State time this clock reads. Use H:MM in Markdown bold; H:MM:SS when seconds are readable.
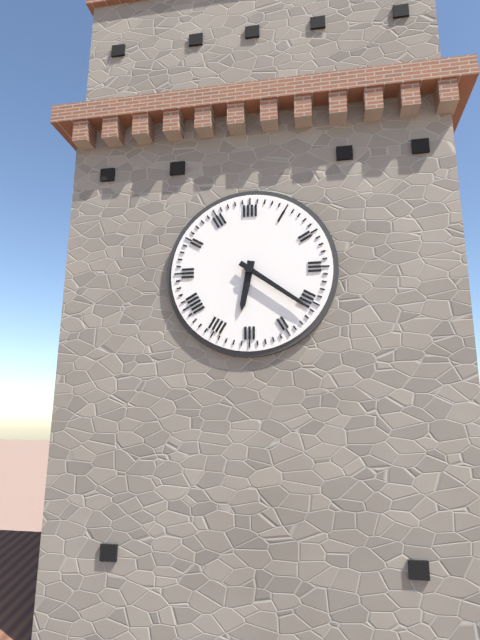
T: **6:21**
